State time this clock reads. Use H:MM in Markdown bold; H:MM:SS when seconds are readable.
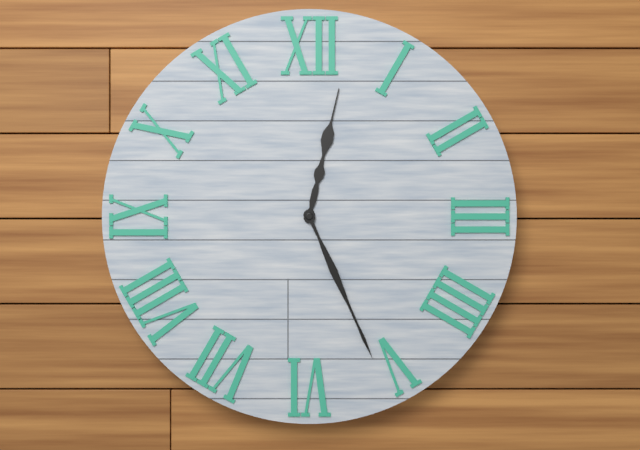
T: **12:26**
